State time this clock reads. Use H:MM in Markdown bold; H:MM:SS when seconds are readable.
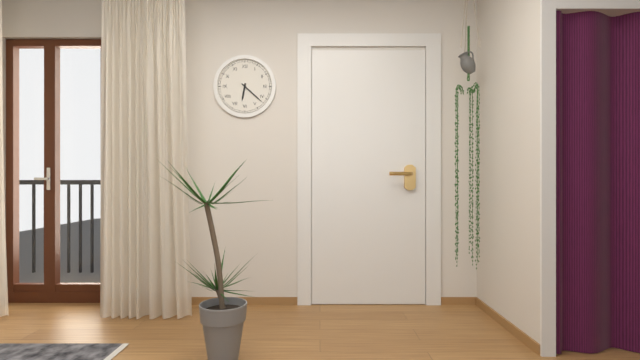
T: **6:22**
